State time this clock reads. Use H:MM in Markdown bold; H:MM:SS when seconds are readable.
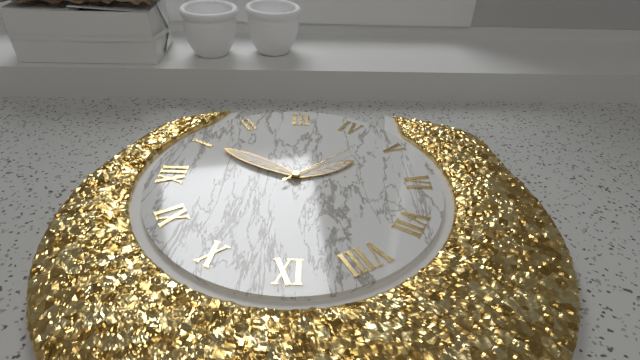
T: **5:05:23**
